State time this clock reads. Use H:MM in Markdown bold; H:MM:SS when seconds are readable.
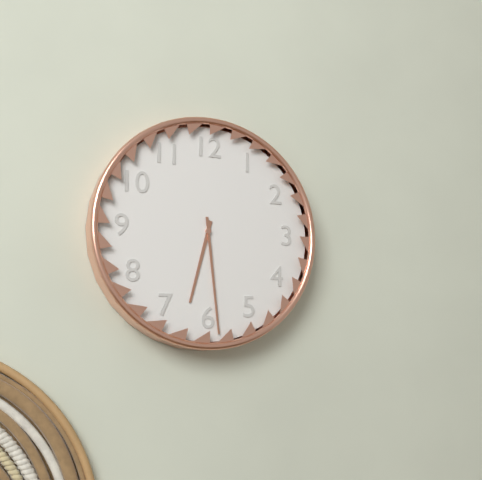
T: **6:29**
